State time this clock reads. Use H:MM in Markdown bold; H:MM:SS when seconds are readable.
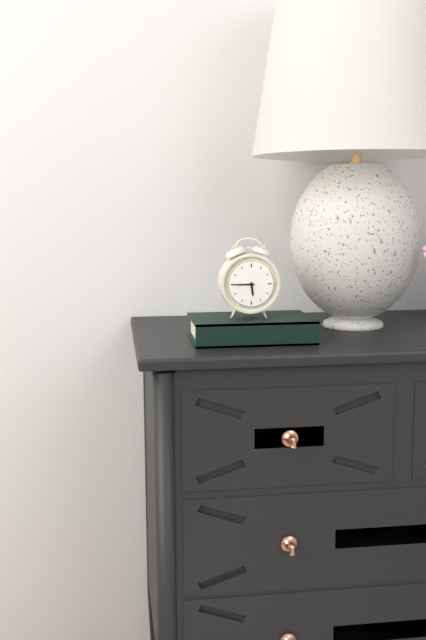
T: **5:45**
